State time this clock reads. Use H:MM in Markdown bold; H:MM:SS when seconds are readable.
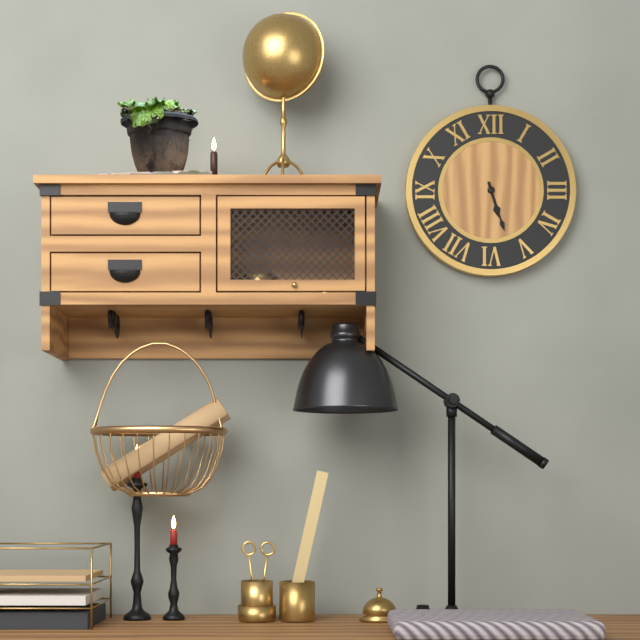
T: **5:27**
